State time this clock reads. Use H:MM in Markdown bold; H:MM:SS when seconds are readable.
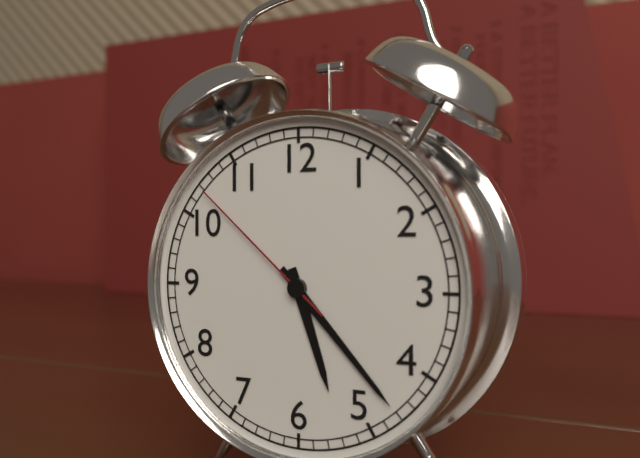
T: **5:23:52**
